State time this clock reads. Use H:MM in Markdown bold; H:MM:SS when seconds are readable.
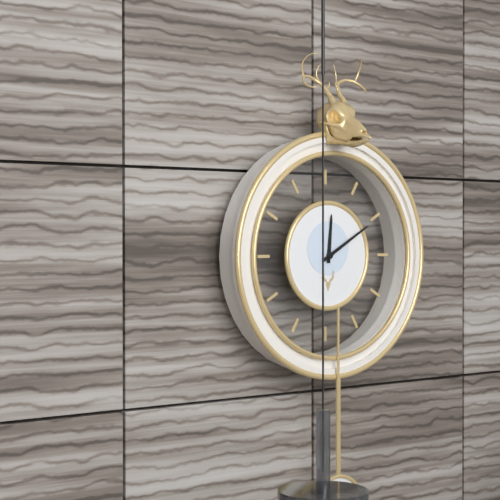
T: **12:10**
